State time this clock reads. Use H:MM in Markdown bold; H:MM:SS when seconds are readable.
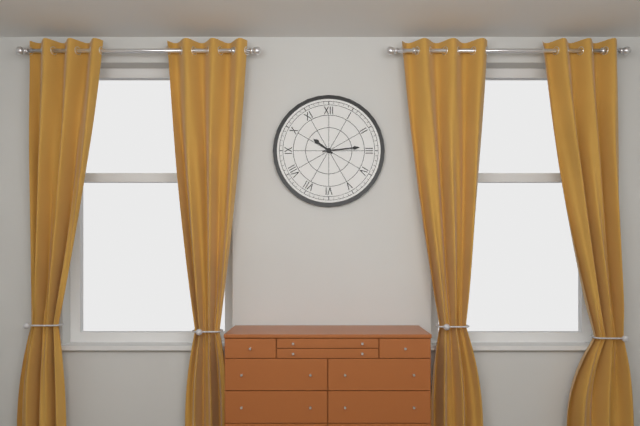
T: **10:14**
